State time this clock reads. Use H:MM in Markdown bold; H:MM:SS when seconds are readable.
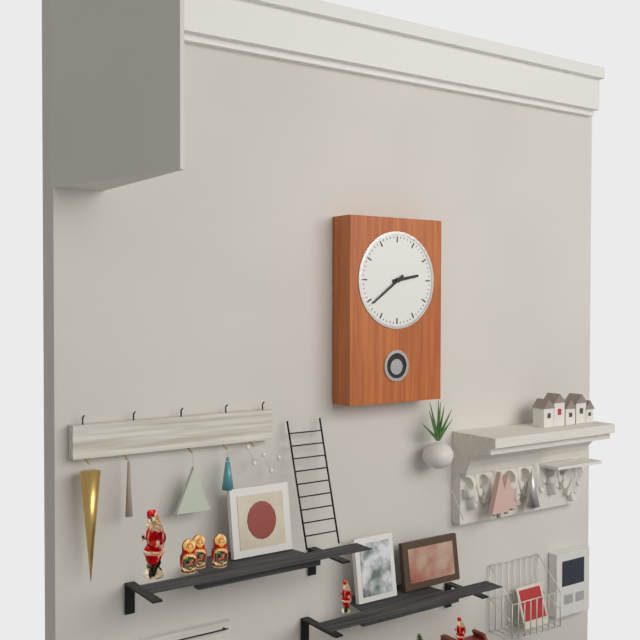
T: **2:39**
